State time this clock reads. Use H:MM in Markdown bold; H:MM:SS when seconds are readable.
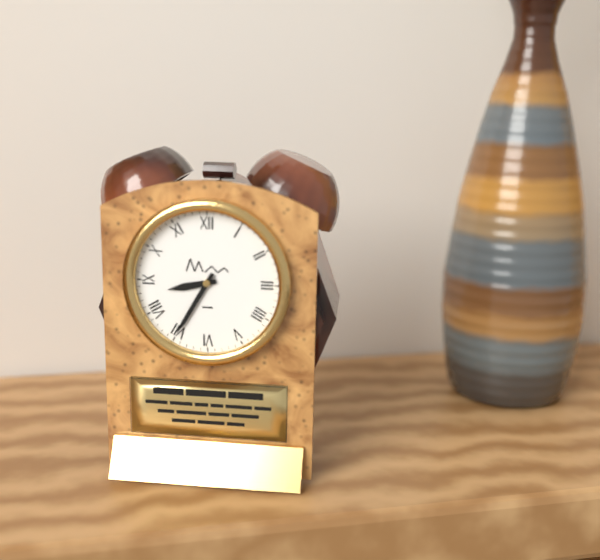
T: **8:35**
